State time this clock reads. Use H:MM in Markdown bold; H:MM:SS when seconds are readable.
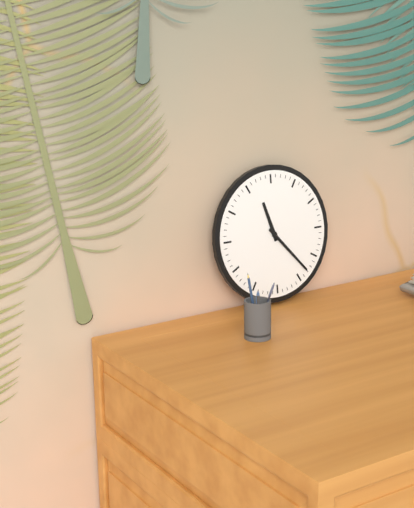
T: **11:23**
